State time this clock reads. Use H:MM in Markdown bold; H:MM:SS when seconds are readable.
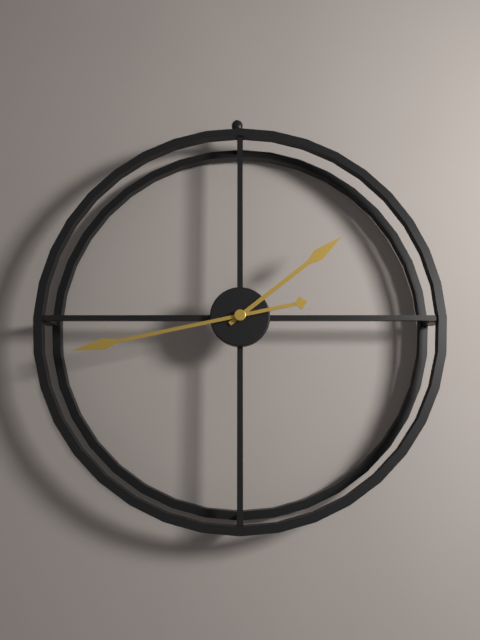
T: **1:43**
